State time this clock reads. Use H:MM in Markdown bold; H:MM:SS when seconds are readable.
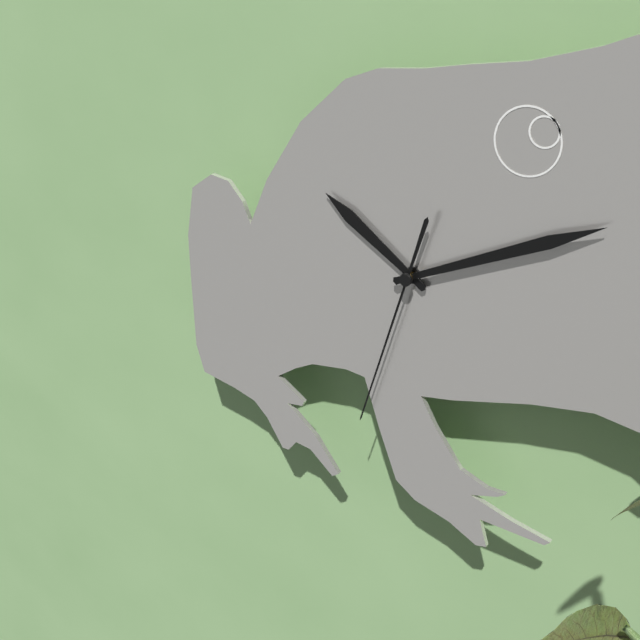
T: **10:11:33**
